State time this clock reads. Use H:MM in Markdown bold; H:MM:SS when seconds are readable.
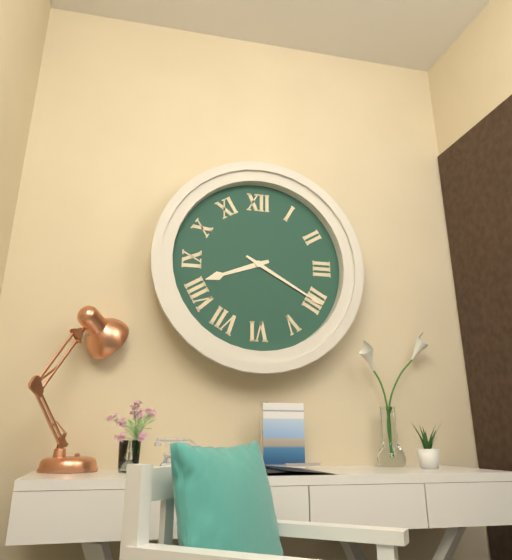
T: **8:20**
